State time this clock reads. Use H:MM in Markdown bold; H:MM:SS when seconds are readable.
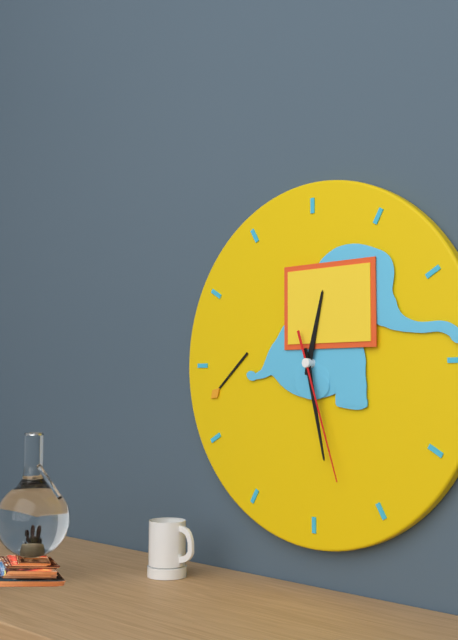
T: **12:28:27**
